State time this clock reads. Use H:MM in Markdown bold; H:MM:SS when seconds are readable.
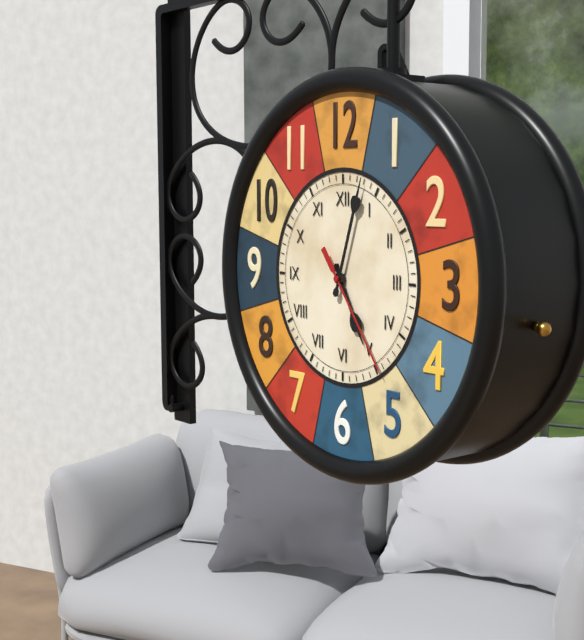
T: **5:03:24**
